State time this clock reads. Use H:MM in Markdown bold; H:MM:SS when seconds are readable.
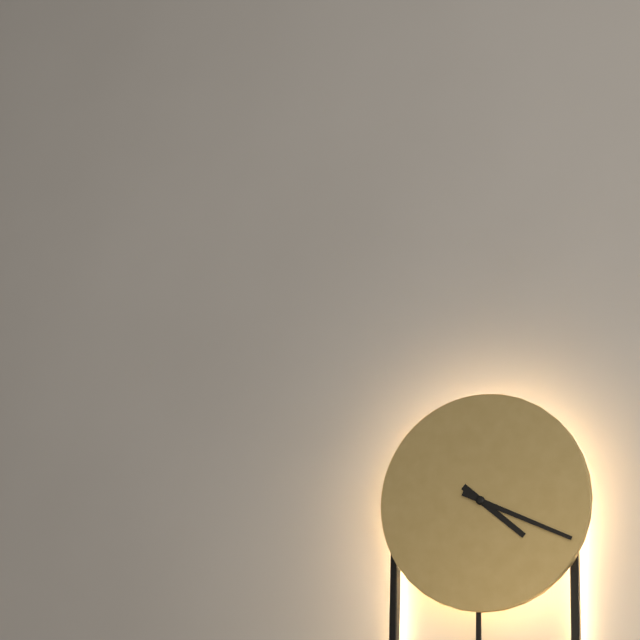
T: **4:19**
